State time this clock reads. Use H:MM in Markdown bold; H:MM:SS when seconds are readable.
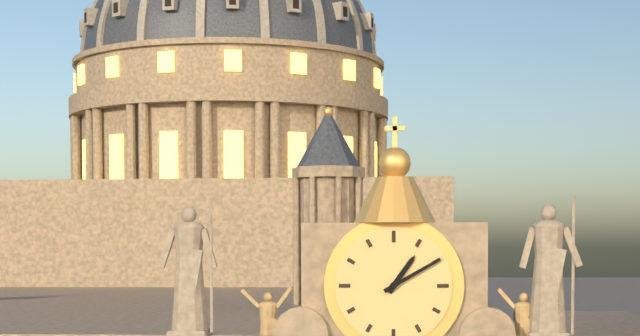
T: **1:10**
